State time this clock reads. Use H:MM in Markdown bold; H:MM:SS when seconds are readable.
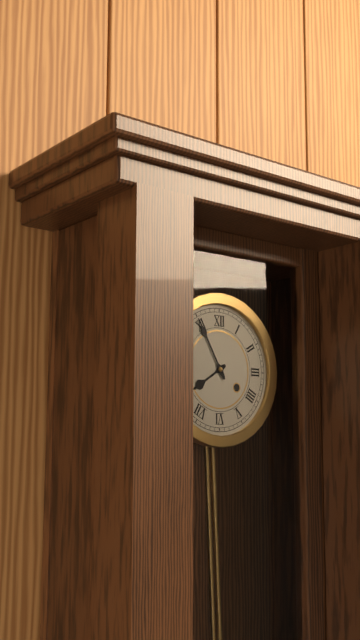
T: **7:55**
